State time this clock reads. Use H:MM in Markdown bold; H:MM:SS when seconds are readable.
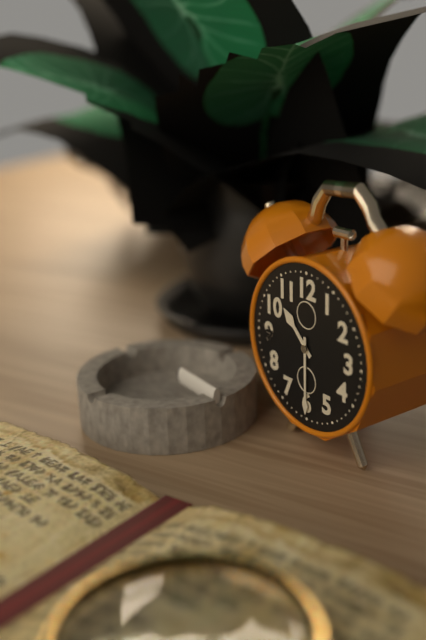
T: **10:30**
